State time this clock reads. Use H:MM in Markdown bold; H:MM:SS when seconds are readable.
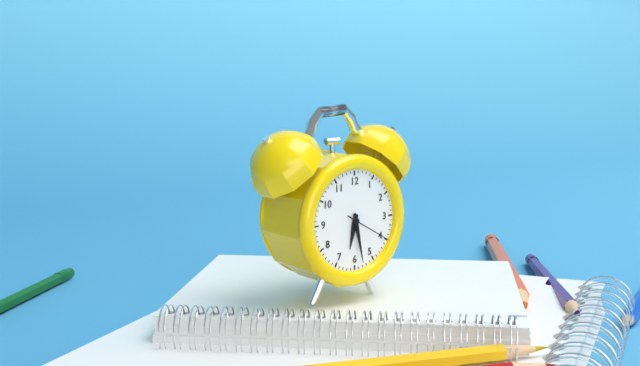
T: **6:28**
